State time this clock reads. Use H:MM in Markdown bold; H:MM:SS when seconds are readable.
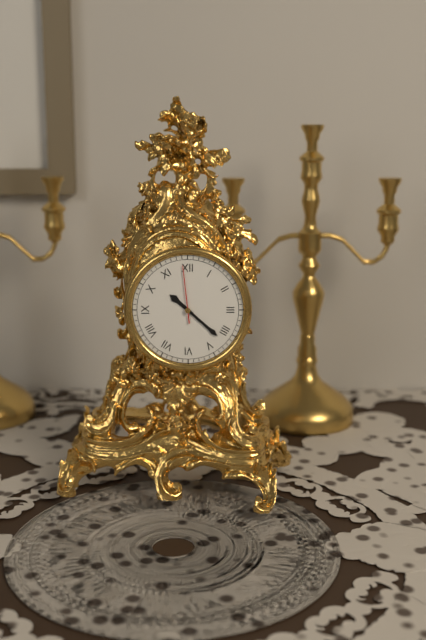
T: **10:22:59**
